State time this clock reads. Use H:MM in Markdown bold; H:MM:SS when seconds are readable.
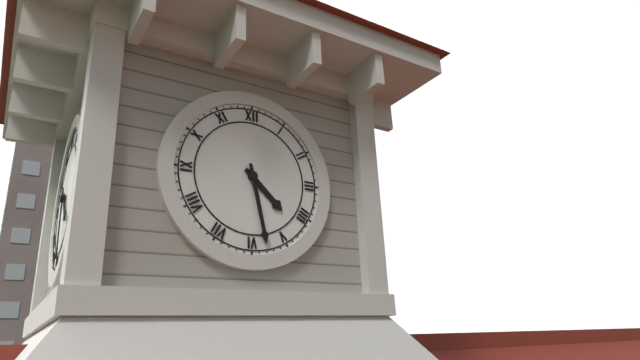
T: **4:28**
